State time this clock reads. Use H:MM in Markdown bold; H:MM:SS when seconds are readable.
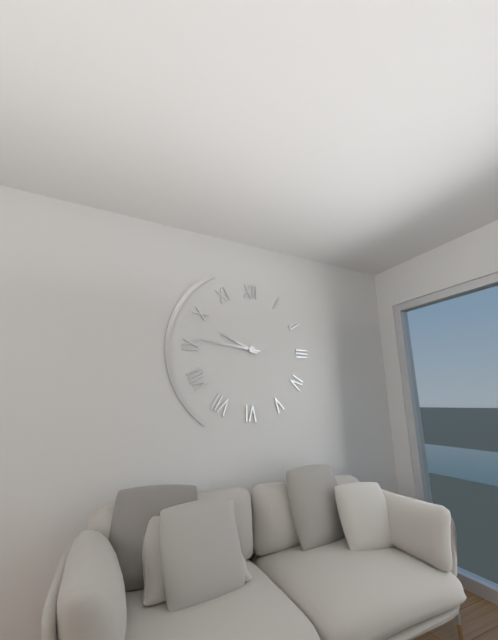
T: **9:46**
